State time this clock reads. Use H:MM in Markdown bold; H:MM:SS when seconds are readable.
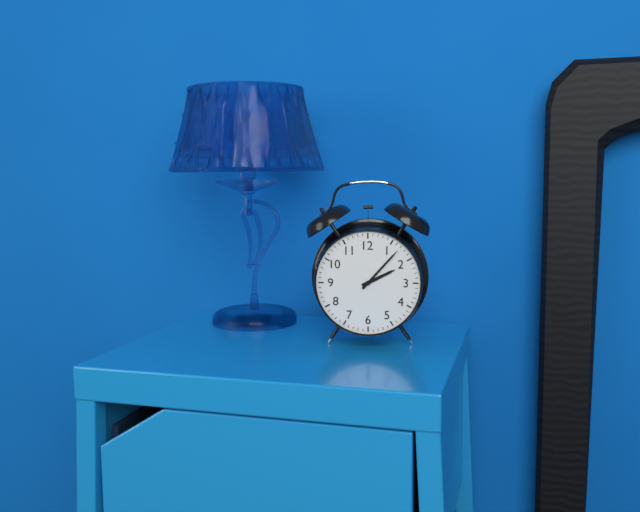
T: **2:07**
